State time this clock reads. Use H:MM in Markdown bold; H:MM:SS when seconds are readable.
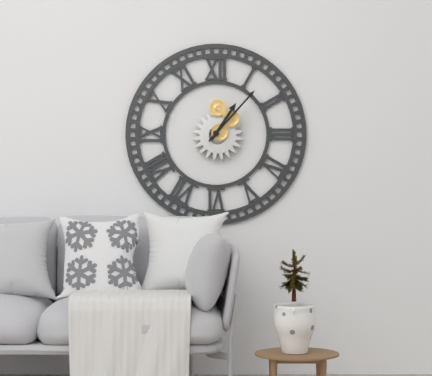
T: **1:07**
